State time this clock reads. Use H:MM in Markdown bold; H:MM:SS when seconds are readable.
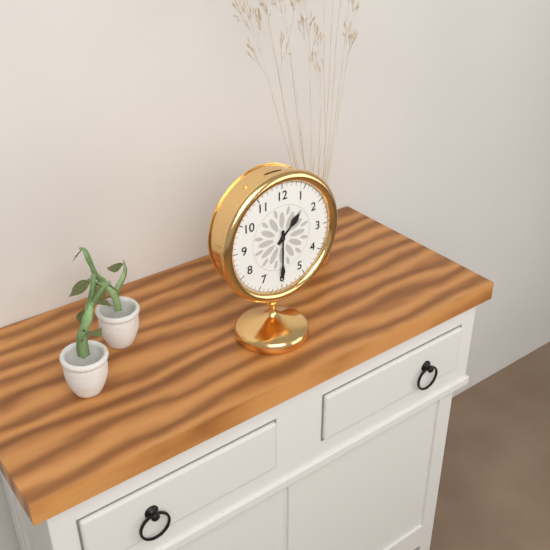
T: **1:30**
